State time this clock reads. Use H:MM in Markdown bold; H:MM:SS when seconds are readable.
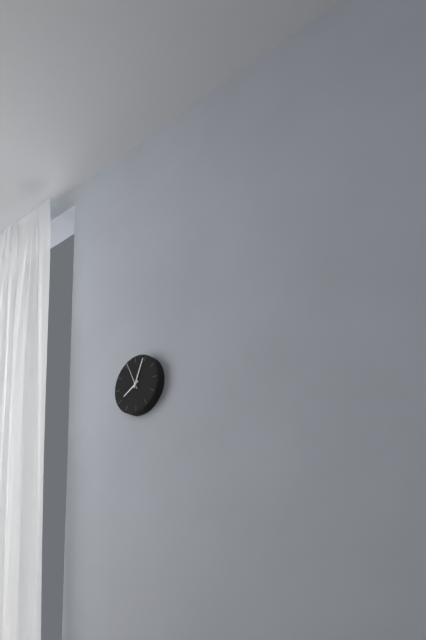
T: **8:04**
